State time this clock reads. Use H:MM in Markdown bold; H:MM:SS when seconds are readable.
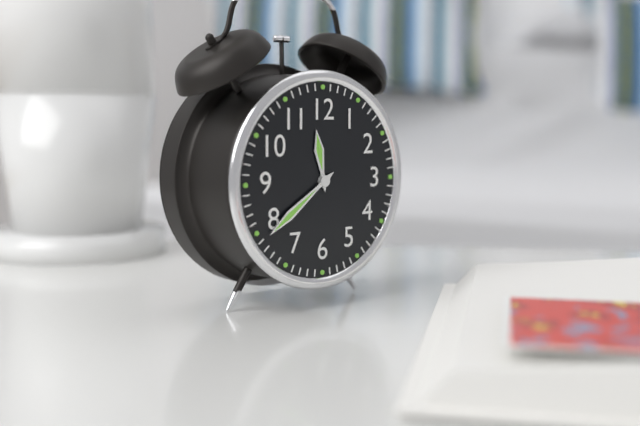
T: **11:39**
